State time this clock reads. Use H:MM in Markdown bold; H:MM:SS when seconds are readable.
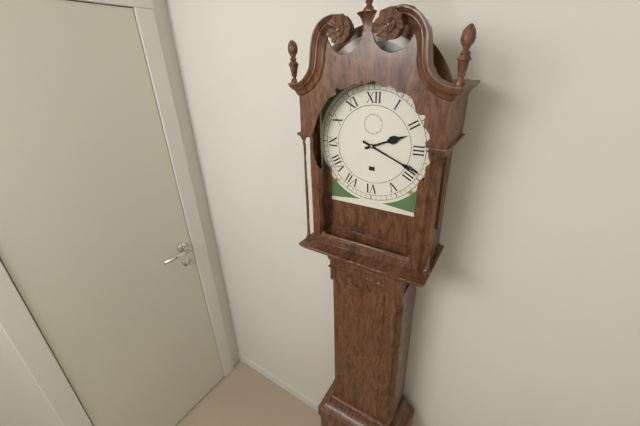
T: **2:19**
